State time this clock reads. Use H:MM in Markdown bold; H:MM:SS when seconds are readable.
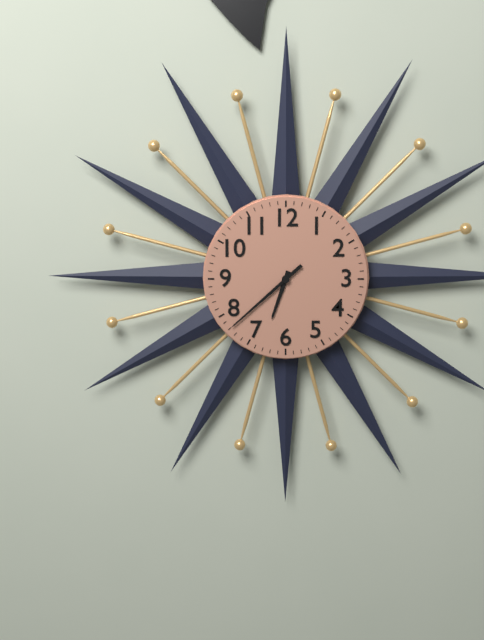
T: **6:38**
